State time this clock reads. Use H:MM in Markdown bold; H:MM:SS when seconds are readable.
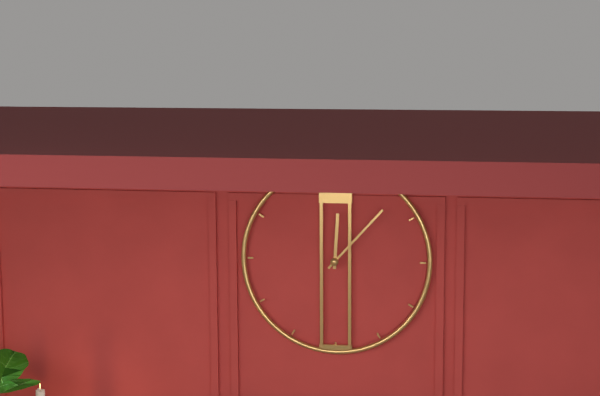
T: **12:07**
